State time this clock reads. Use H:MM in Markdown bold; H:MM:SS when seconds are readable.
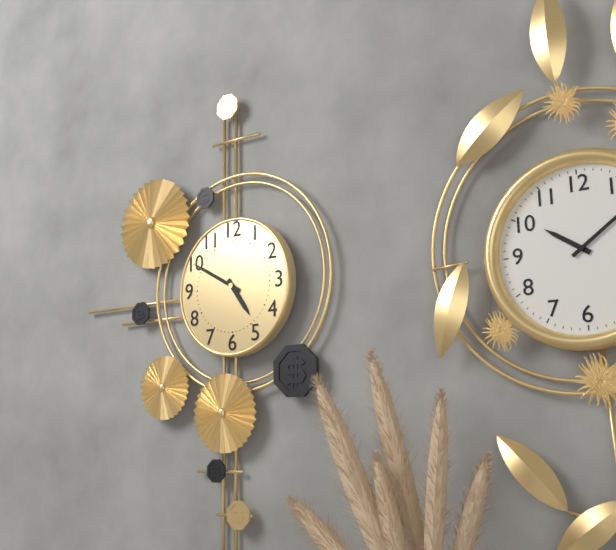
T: **4:50**
